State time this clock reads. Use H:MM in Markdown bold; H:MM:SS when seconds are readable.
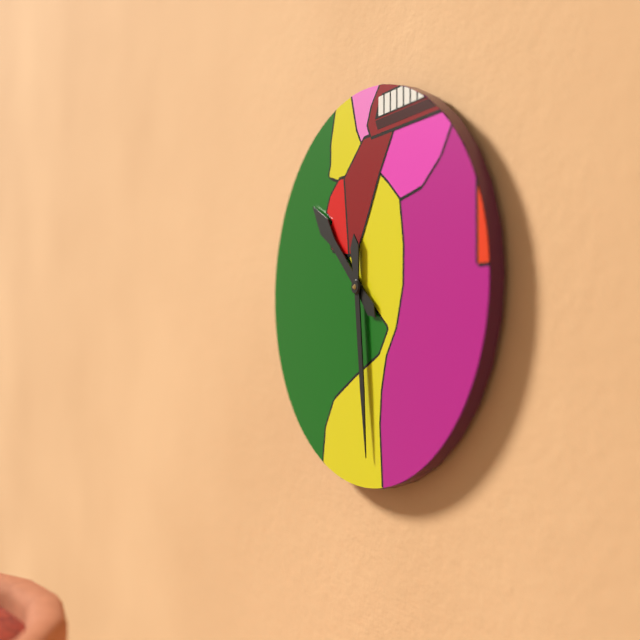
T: **10:29**
